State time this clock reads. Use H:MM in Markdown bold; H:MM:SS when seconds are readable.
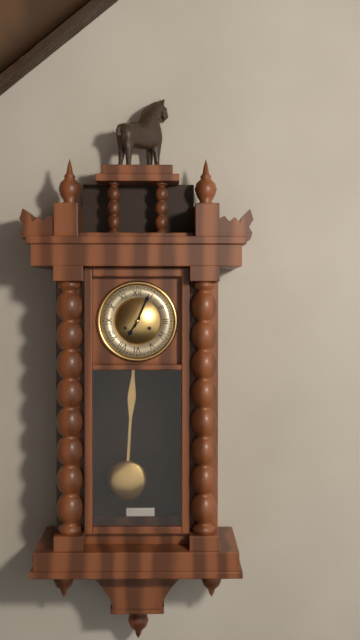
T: **7:04**
